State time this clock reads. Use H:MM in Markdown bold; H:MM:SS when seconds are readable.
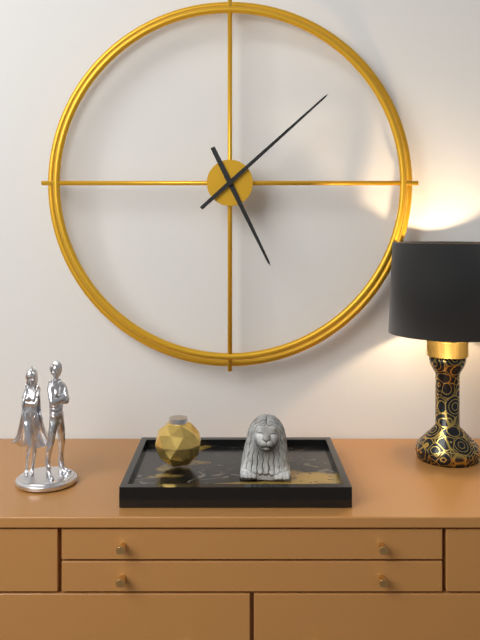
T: **5:08**
